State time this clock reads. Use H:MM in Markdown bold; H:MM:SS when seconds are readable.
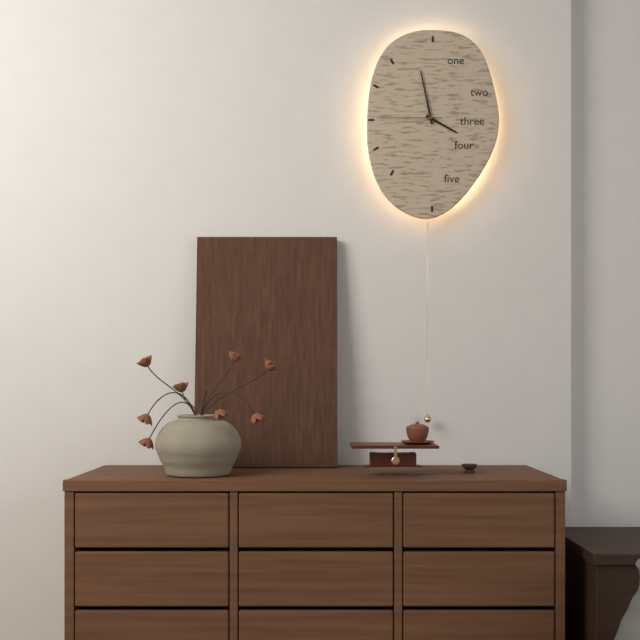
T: **3:58:45**
